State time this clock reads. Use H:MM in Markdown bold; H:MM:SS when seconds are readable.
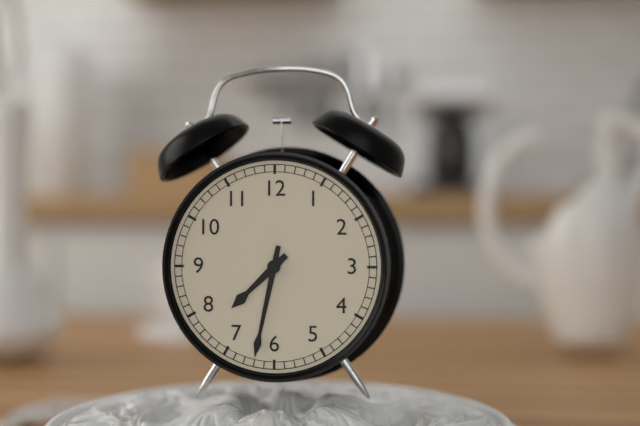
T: **7:32**
